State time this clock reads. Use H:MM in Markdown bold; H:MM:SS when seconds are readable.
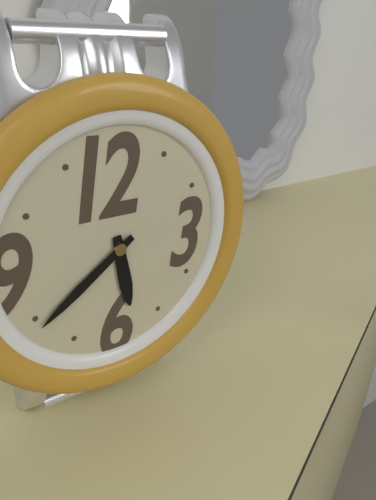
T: **5:39**
